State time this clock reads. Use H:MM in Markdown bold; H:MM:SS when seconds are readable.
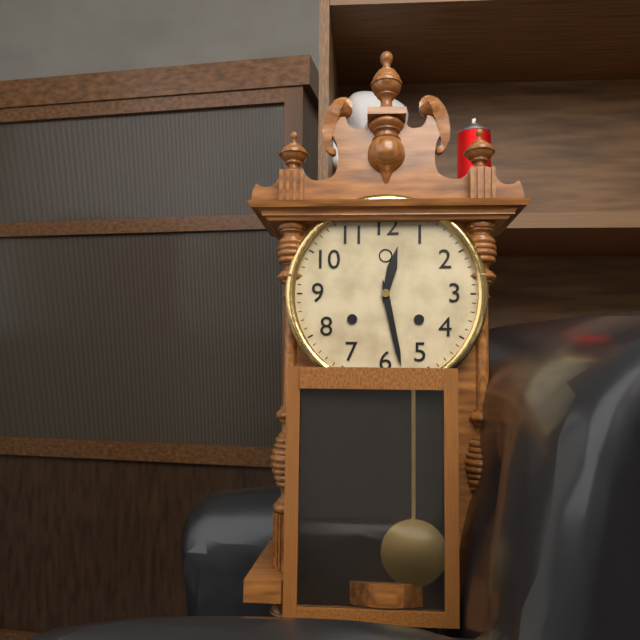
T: **12:28**
